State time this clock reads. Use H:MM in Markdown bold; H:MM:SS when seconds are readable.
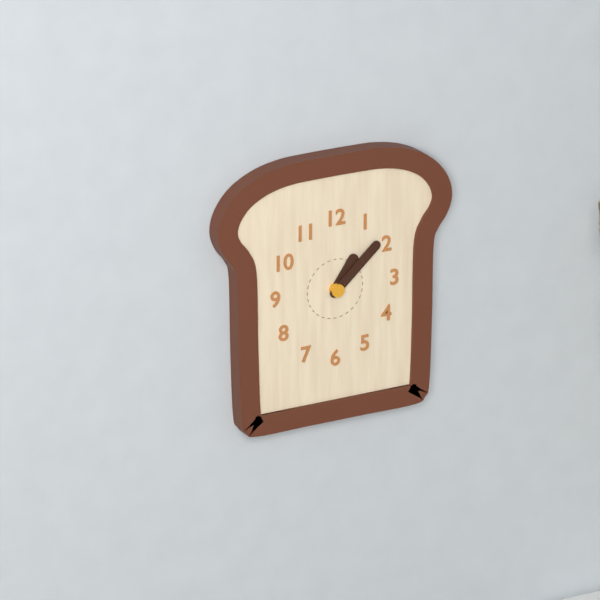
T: **1:08**
